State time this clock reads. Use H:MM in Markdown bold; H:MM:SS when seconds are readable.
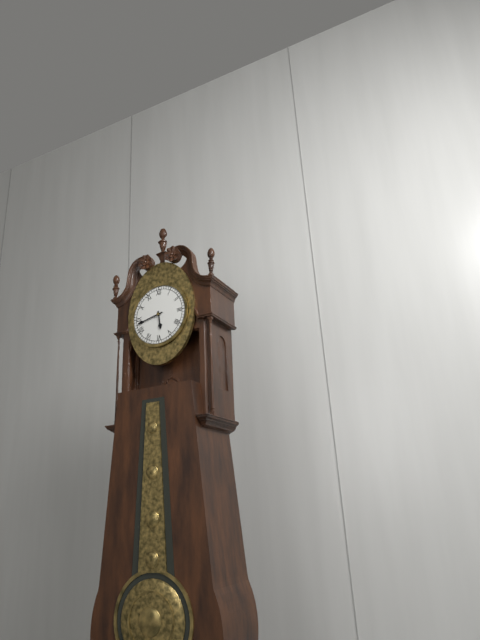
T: **5:43**
